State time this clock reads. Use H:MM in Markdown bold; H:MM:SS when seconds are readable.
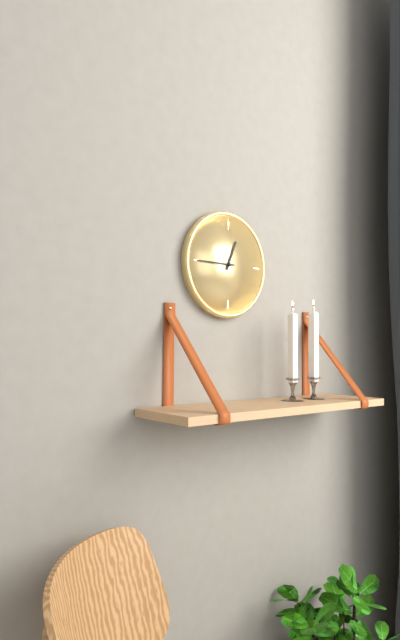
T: **12:45**
